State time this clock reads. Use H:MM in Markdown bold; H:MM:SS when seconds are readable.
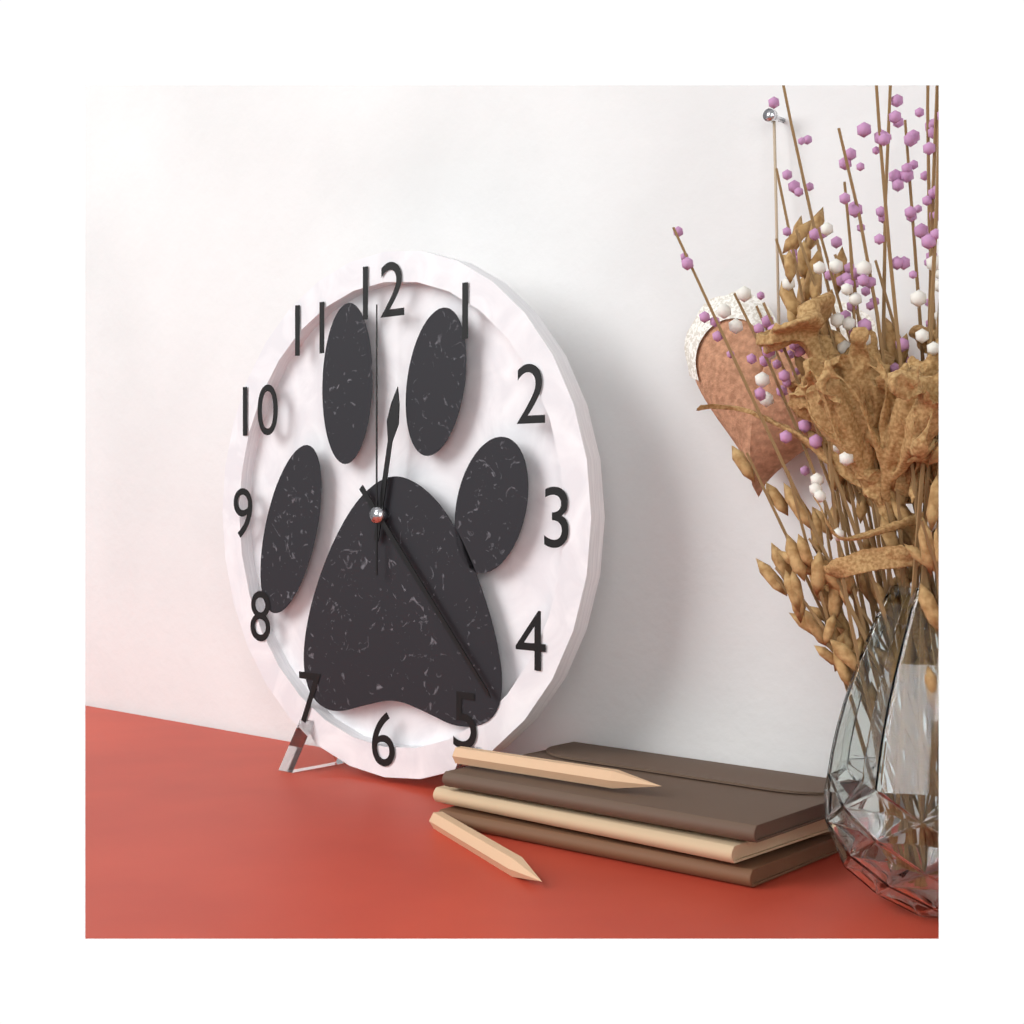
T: **12:23:00**
